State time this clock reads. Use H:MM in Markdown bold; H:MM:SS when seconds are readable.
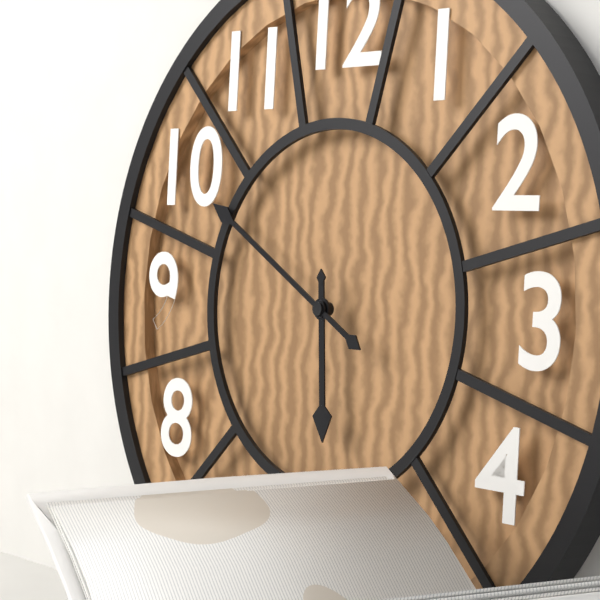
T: **5:50**
